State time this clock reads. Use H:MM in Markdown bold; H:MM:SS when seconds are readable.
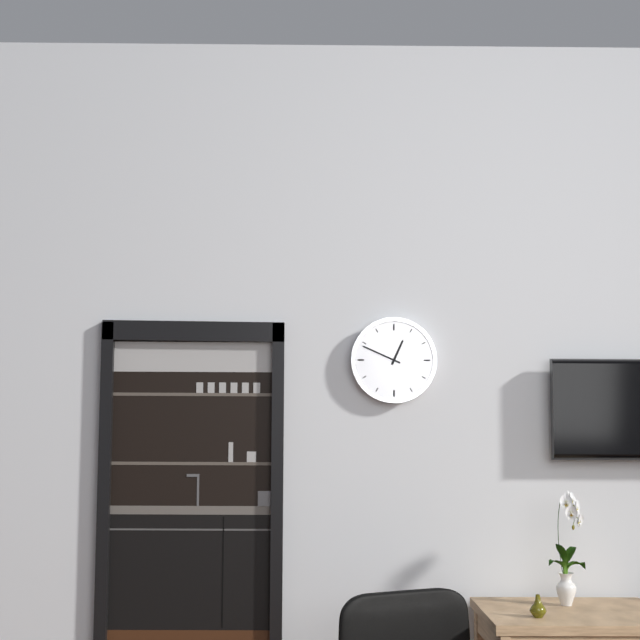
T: **12:49**
